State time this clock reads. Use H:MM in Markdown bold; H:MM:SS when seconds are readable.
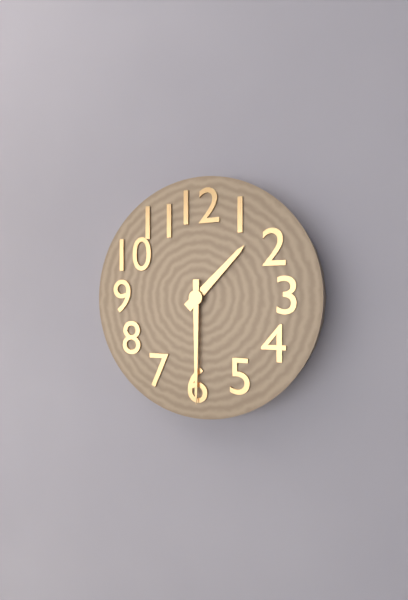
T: **1:30**
